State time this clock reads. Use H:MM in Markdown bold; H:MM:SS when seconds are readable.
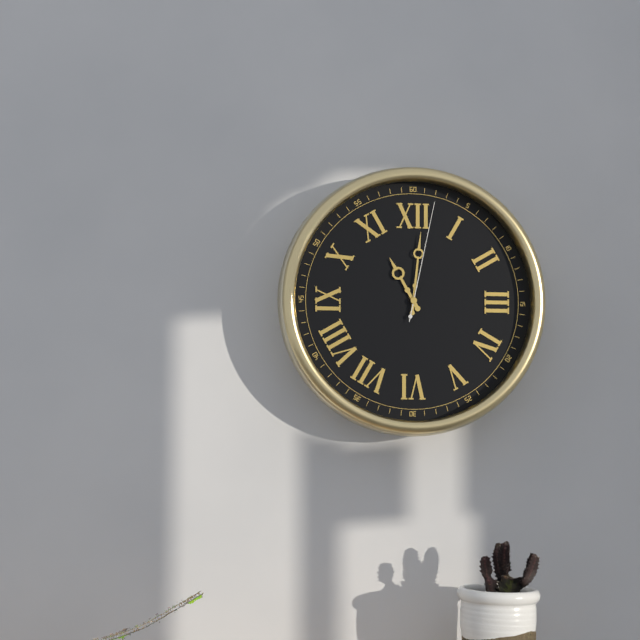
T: **11:01:02**
